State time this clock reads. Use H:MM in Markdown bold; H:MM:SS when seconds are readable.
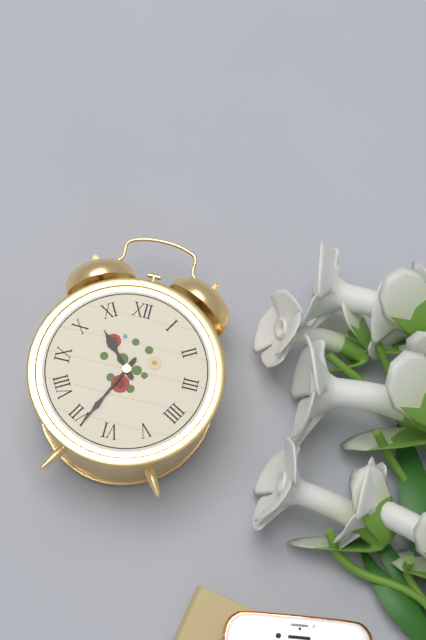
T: **10:34**
